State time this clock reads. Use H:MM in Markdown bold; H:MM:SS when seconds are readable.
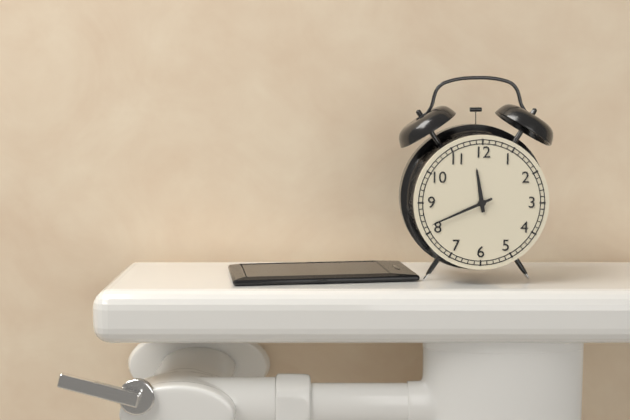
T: **11:41**
